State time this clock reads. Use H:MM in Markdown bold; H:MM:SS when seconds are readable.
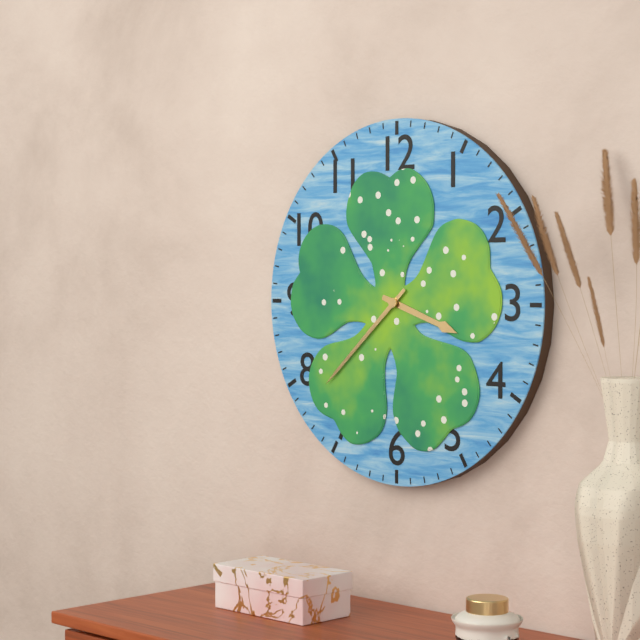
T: **3:38**
